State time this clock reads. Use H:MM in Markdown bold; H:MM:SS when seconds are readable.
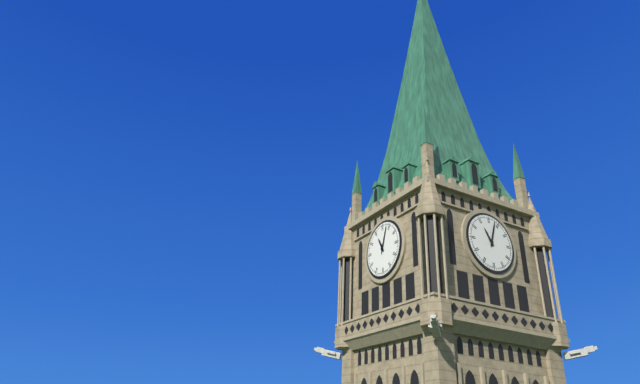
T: **11:03**
